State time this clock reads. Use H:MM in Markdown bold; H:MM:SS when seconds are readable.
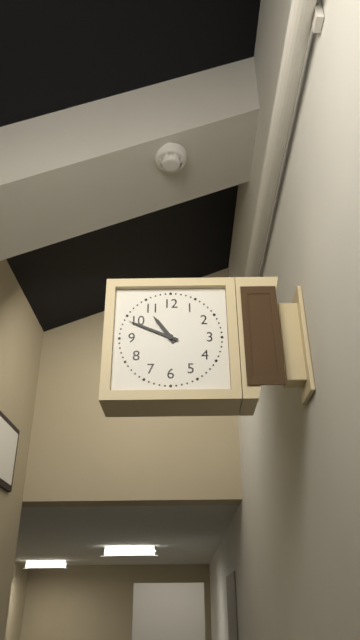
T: **10:49**
